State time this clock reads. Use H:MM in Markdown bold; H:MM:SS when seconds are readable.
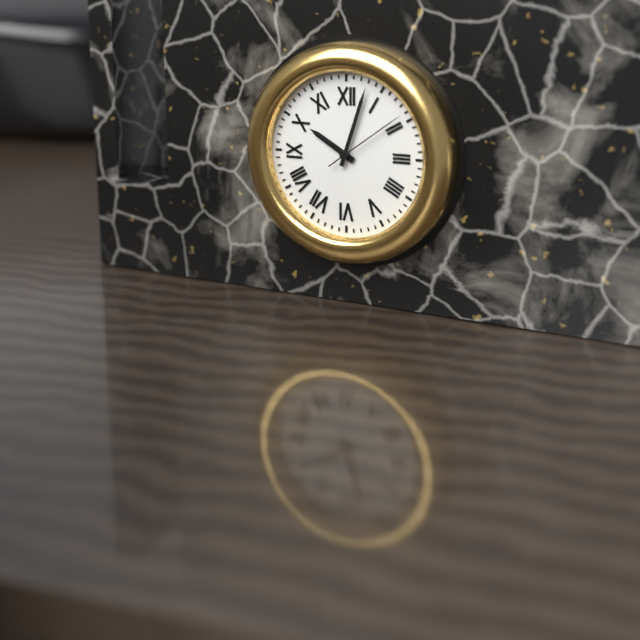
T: **10:03:09**
